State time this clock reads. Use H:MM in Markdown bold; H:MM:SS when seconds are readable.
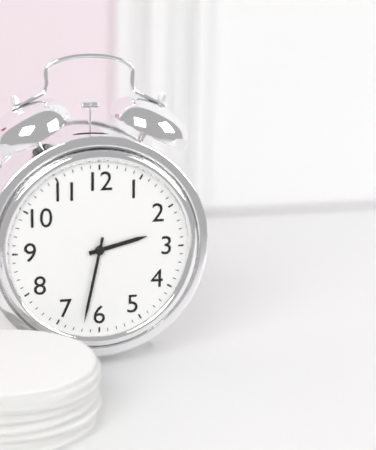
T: **2:32**
